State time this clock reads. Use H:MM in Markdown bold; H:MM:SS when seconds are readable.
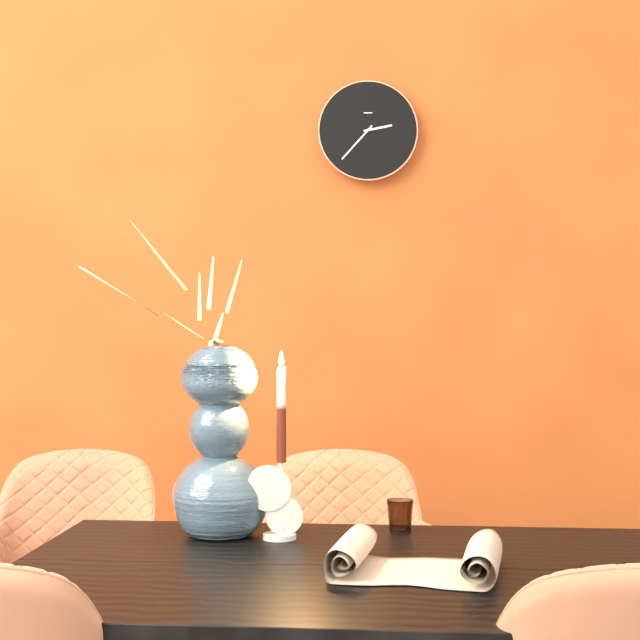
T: **2:37**
